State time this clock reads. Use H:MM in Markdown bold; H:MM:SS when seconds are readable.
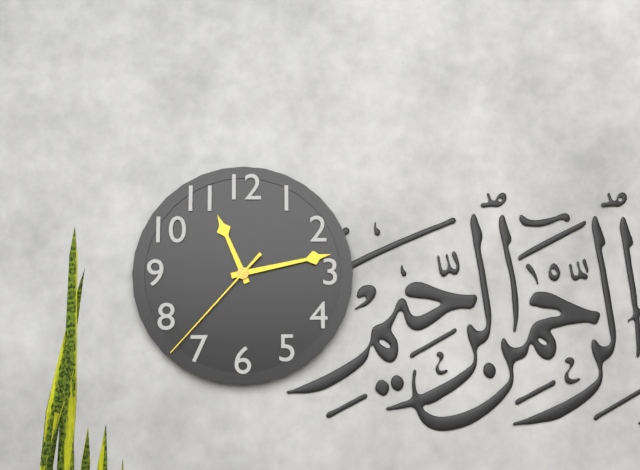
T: **11:13:37**
